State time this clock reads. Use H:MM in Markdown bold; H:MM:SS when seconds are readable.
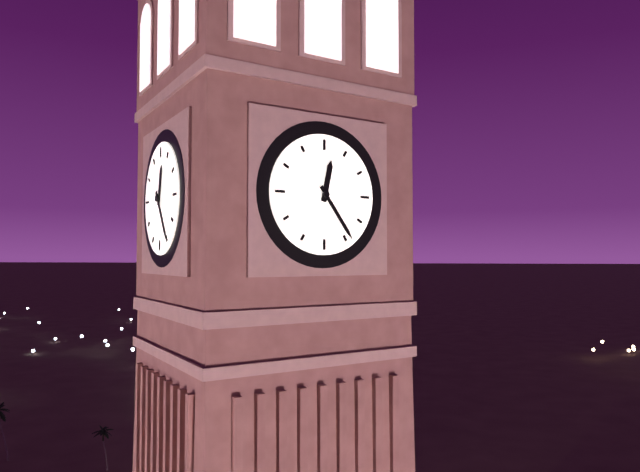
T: **12:24**
